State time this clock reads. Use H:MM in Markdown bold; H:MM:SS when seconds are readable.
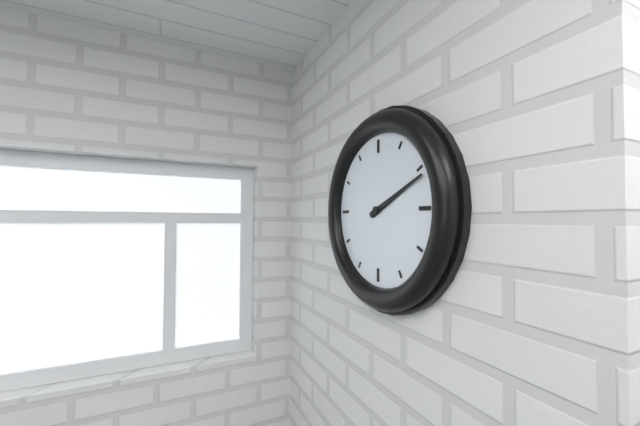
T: **2:11**
